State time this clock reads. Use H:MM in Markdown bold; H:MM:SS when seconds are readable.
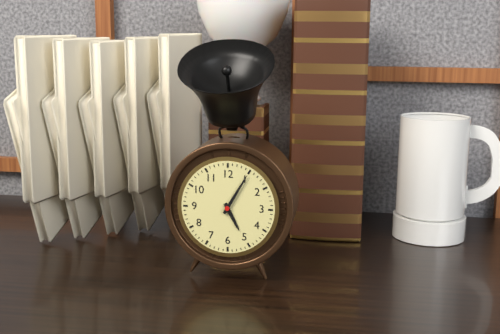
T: **5:05**
